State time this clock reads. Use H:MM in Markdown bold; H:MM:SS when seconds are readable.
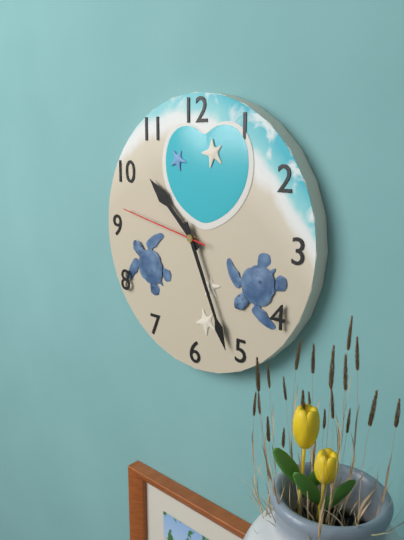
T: **10:26:47**
